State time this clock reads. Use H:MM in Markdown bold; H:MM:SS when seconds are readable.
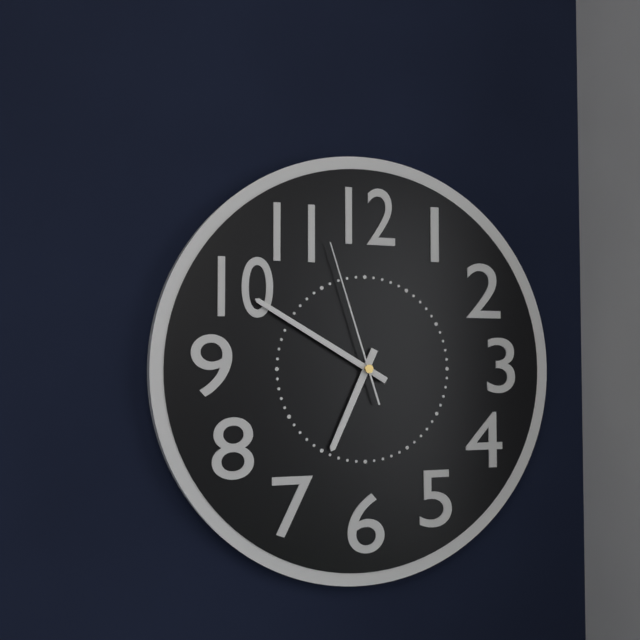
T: **6:50:57**
